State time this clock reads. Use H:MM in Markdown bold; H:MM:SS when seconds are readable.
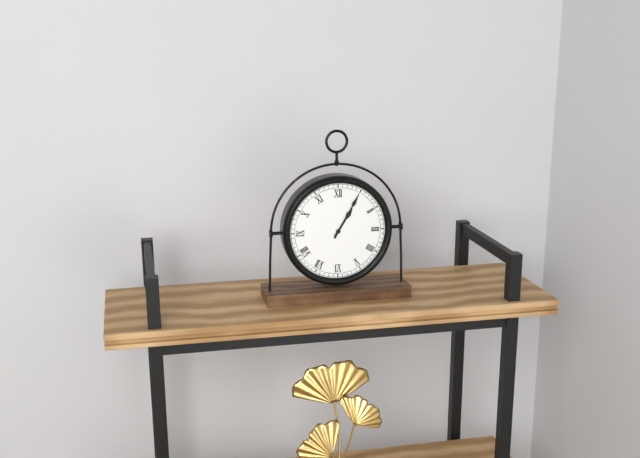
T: **1:05**
